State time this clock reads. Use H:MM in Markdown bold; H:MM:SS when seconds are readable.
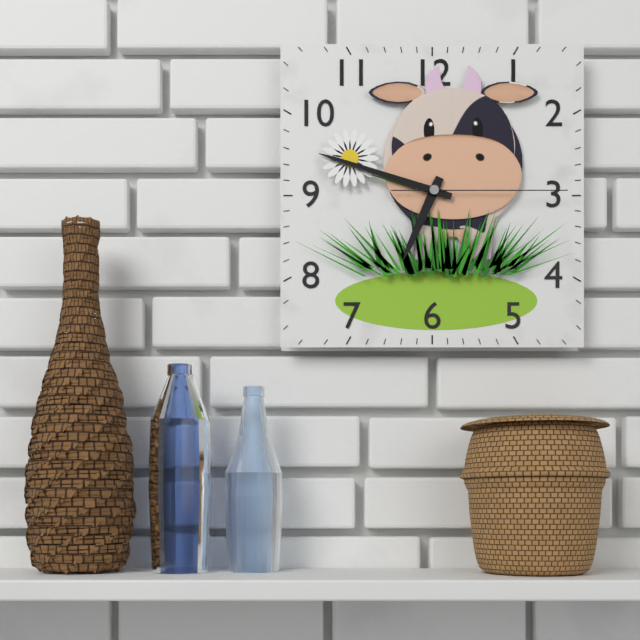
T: **6:48:15**
